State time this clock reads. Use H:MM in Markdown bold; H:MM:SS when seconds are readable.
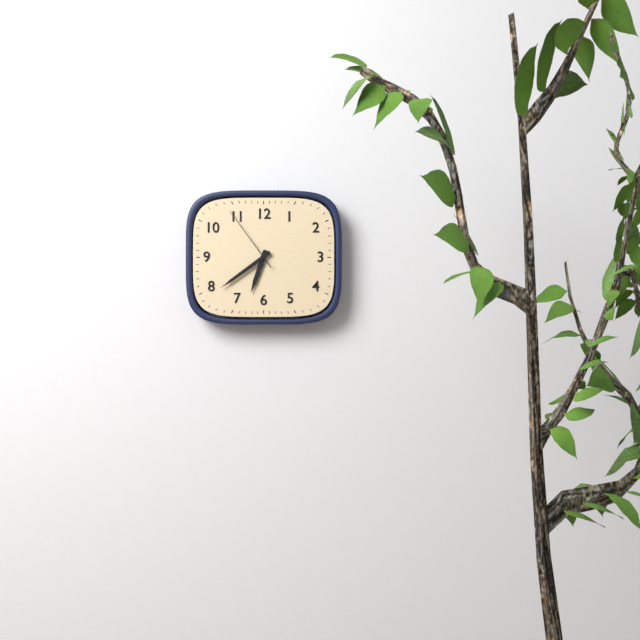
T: **6:39:54**
